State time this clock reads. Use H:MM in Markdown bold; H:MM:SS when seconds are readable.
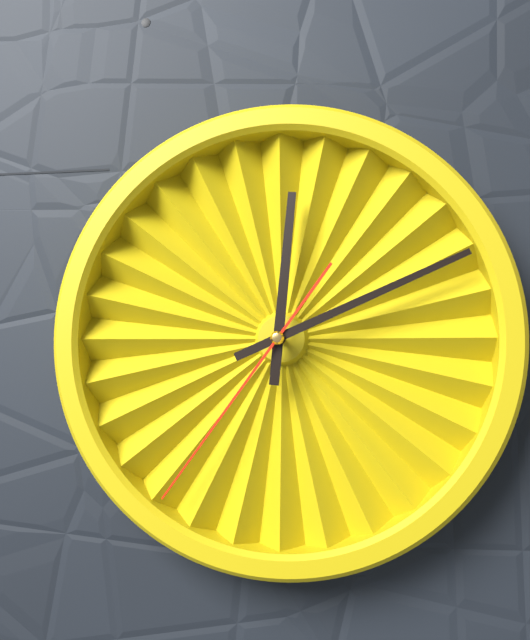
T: **12:11:36**
